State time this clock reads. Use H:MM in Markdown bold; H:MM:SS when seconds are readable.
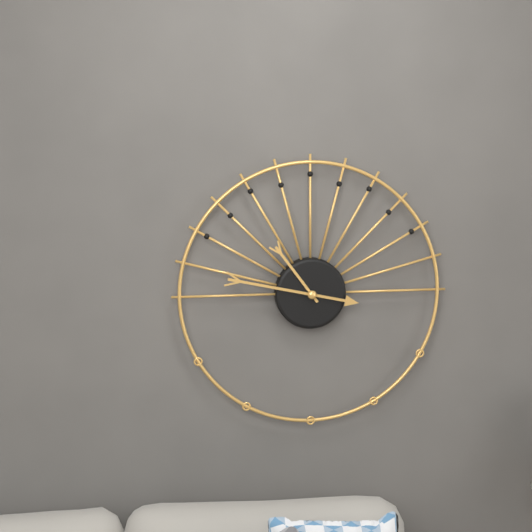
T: **10:47**
